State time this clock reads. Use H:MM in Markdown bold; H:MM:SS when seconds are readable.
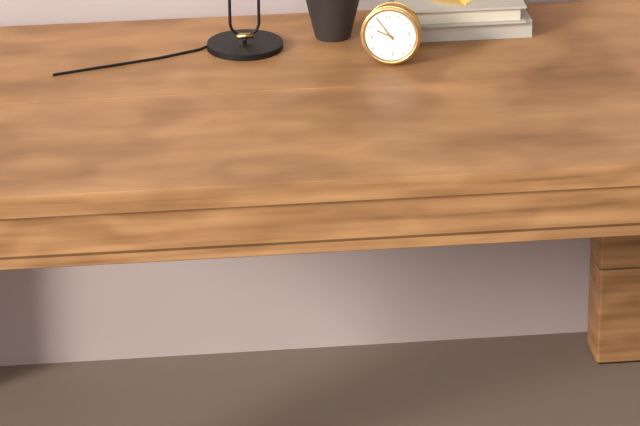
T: **9:55**
